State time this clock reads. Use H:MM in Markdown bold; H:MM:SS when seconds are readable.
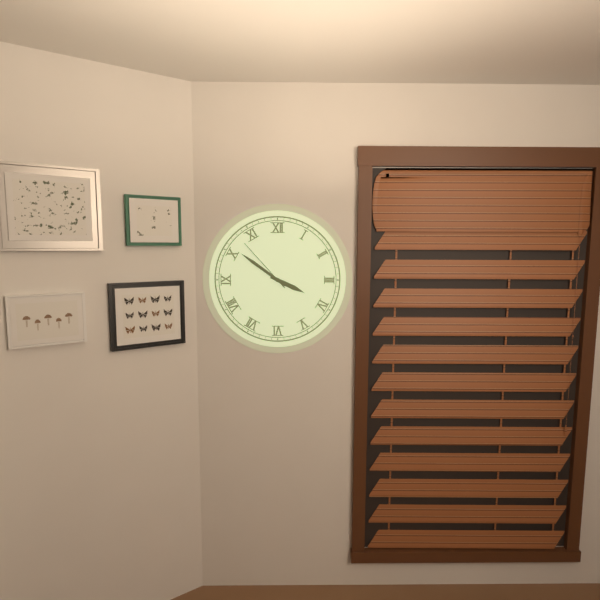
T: **3:51:53**
